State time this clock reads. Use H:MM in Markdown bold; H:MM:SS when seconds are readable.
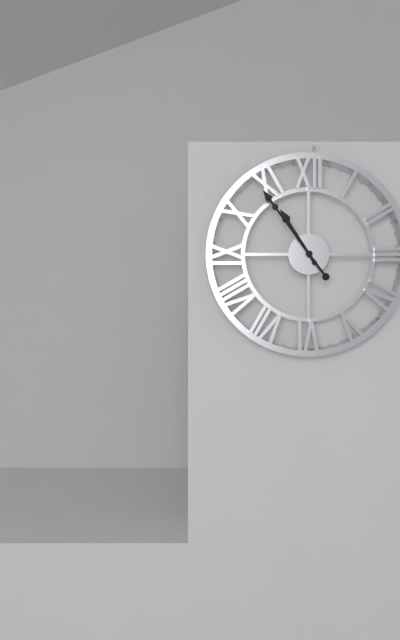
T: **10:54**
